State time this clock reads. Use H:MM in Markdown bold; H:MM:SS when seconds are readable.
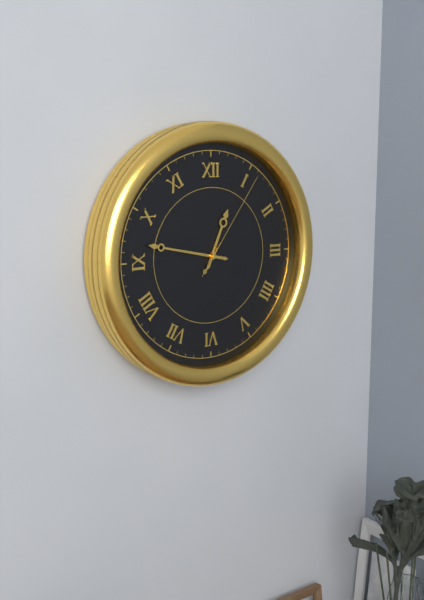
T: **12:47:06**
